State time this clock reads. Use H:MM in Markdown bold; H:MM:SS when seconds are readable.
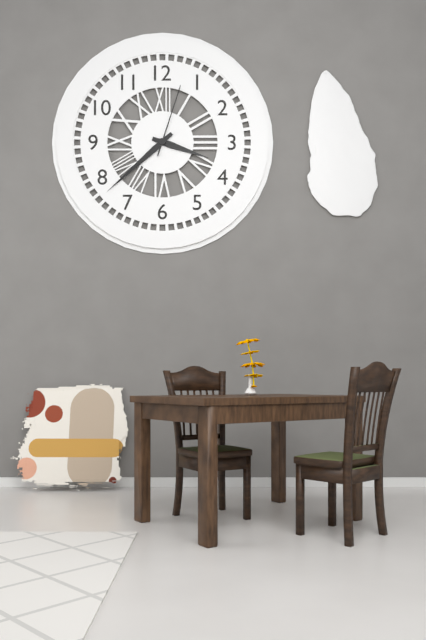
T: **3:38:03**
